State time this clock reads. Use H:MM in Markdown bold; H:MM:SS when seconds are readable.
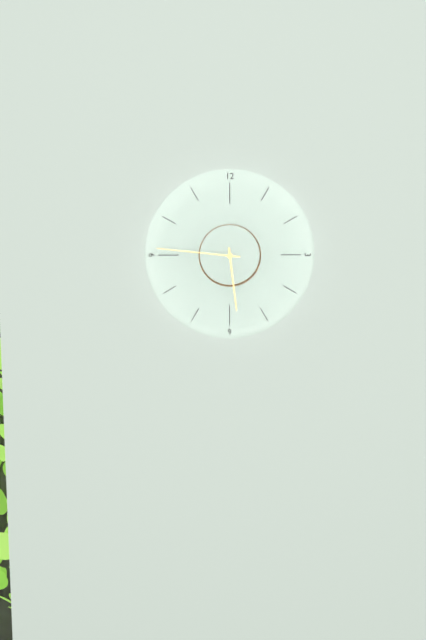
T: **5:46**
